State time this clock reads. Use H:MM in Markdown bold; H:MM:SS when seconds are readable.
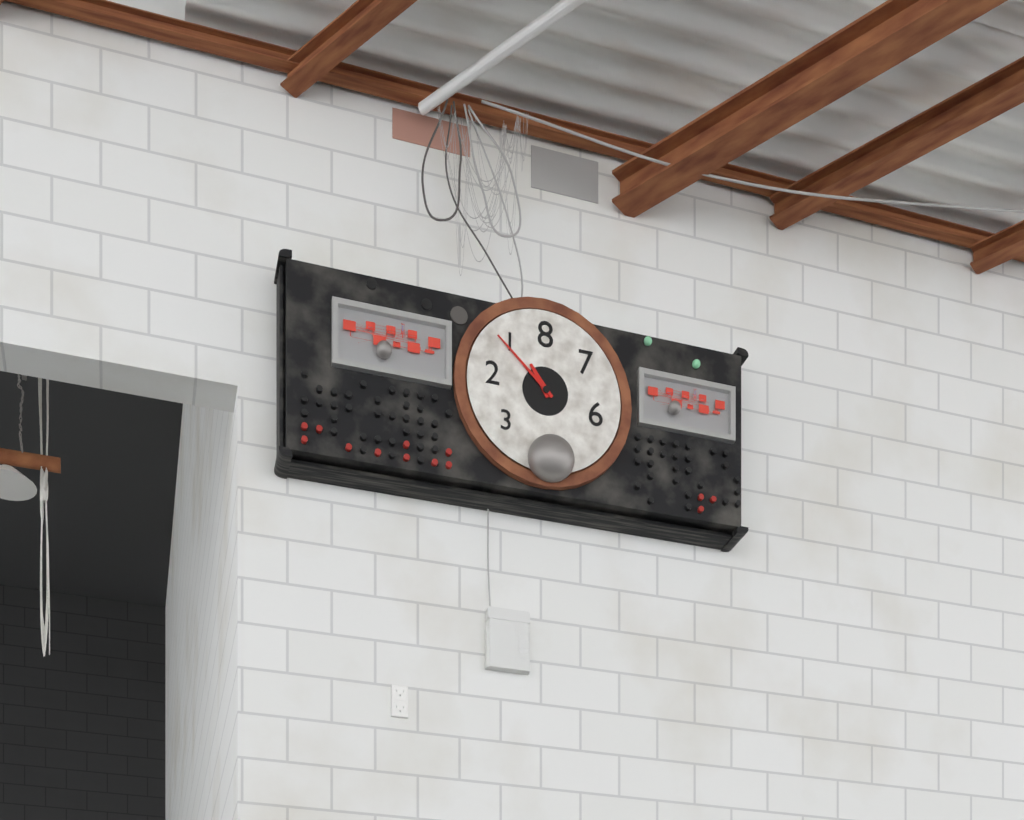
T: **10:52**
